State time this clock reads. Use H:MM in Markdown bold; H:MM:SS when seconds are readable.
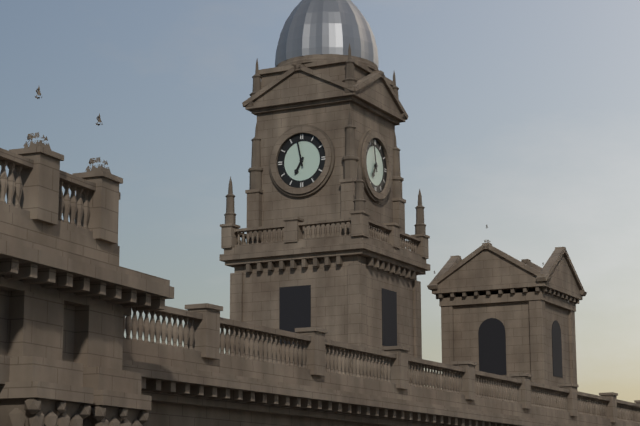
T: **6:58**
